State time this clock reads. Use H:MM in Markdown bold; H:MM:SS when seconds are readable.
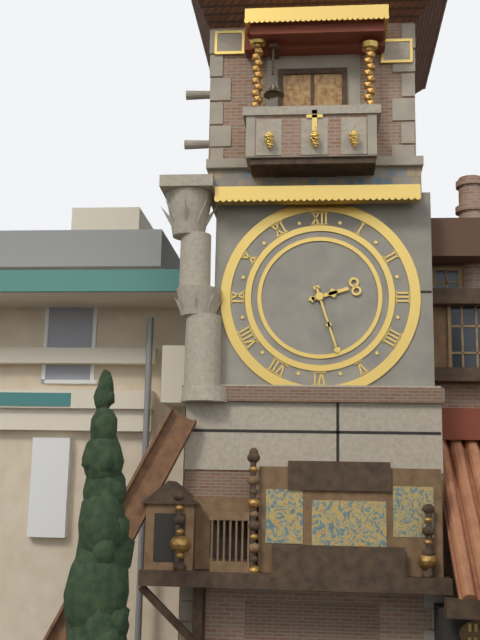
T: **2:27**
